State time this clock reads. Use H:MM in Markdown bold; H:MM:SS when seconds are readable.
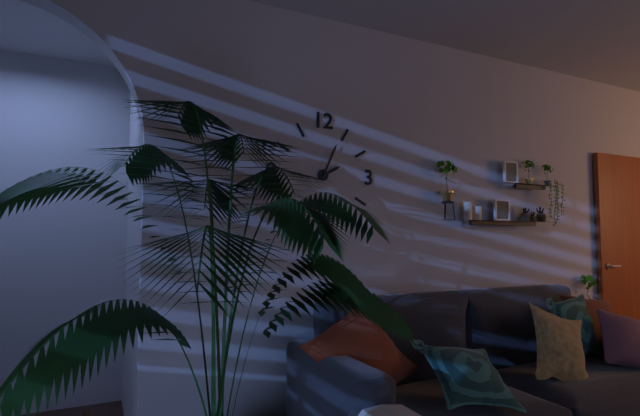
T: **2:04**
